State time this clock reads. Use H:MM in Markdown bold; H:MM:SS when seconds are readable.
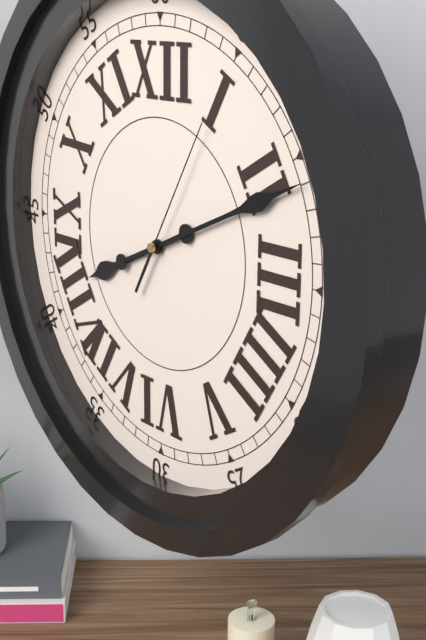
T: **8:11:05**
